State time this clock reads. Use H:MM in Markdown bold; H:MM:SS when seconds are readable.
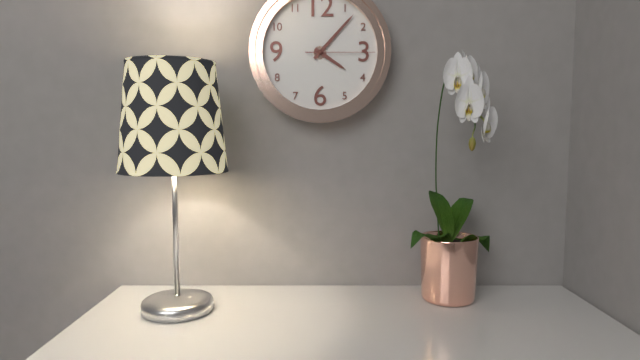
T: **4:07:15**
